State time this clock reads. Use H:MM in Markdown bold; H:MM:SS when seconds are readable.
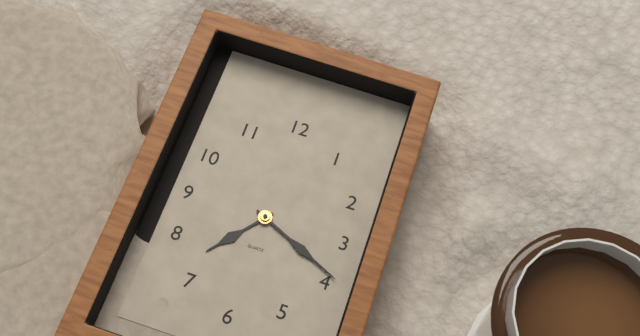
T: **7:19**
